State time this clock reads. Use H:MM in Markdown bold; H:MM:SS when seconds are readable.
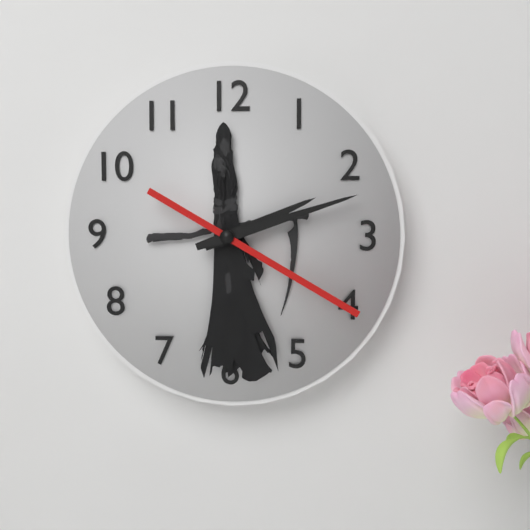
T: **2:12:20**
